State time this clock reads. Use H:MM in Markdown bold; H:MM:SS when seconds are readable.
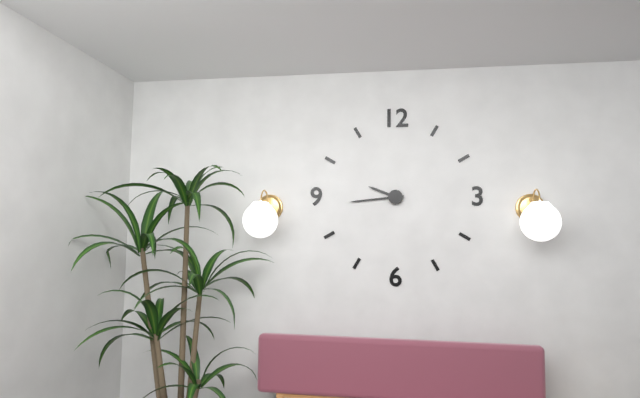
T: **9:44**
